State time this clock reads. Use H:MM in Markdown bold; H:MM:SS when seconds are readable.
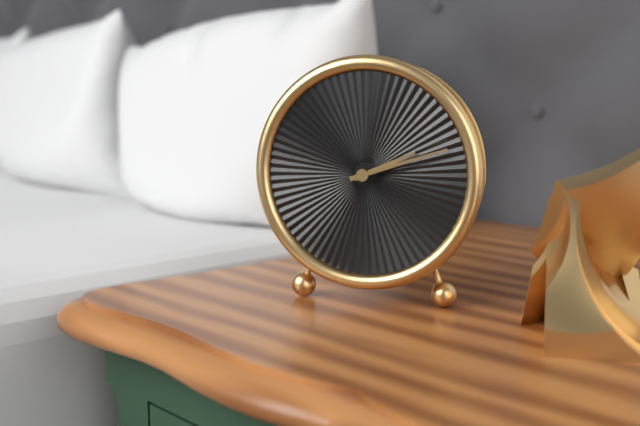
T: **2:12**
